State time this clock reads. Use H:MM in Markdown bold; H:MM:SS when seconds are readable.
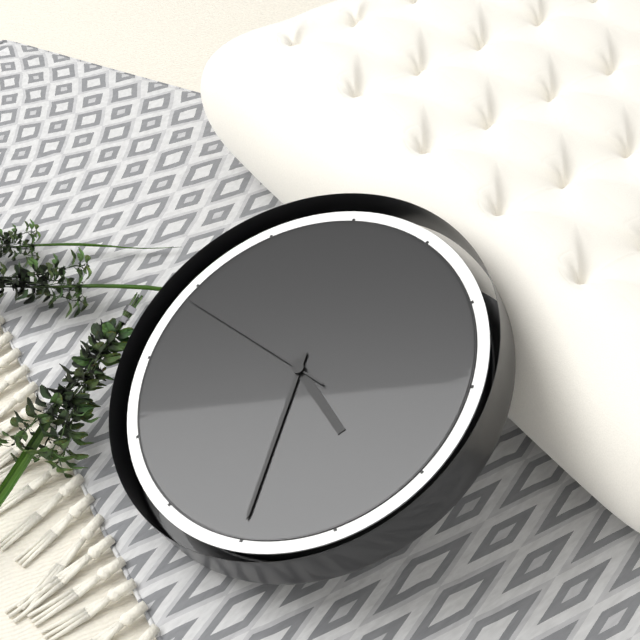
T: **3:25:44**
